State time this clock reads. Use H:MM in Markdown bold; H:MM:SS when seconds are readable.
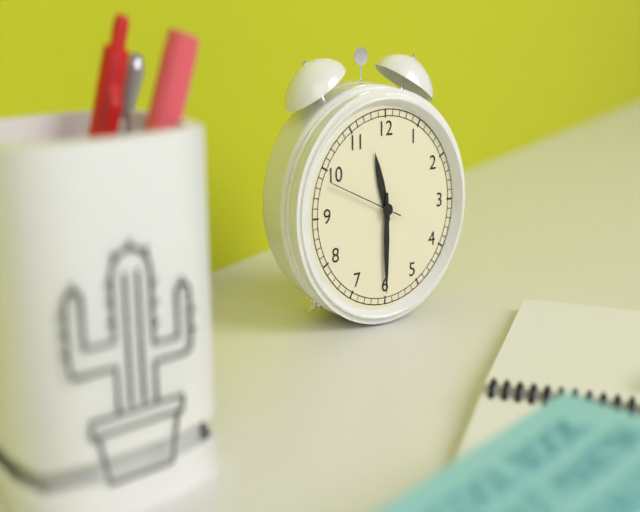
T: **11:30:49**
